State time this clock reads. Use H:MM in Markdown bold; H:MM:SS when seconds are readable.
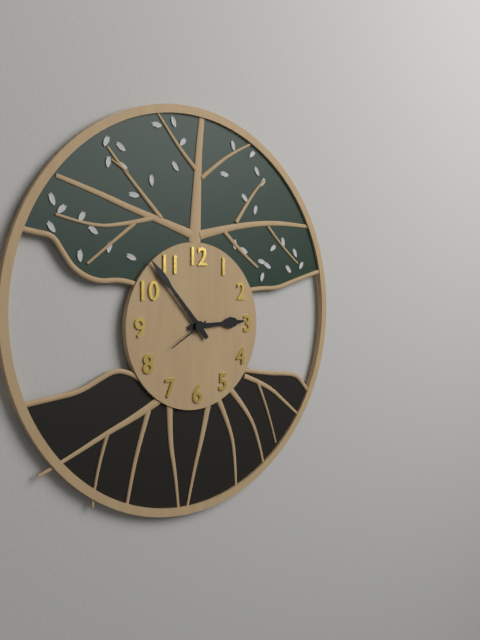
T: **2:53**
